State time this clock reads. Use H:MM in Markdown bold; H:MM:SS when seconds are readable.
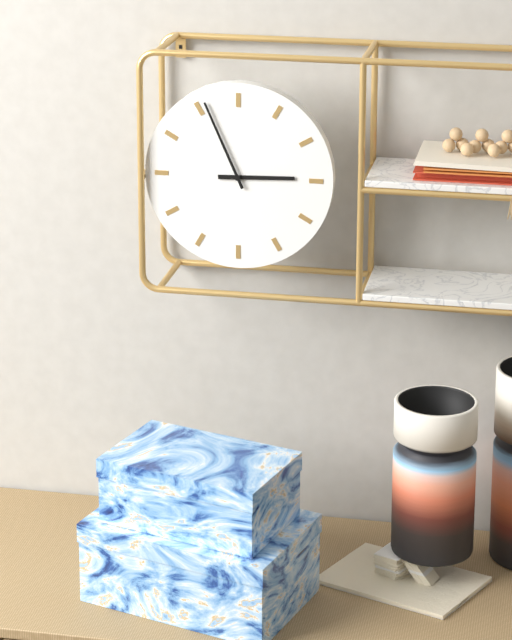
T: **2:56**
